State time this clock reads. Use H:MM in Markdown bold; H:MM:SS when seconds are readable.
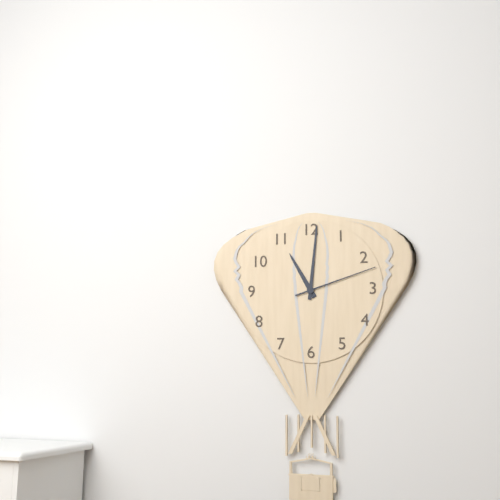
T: **11:01:12**
